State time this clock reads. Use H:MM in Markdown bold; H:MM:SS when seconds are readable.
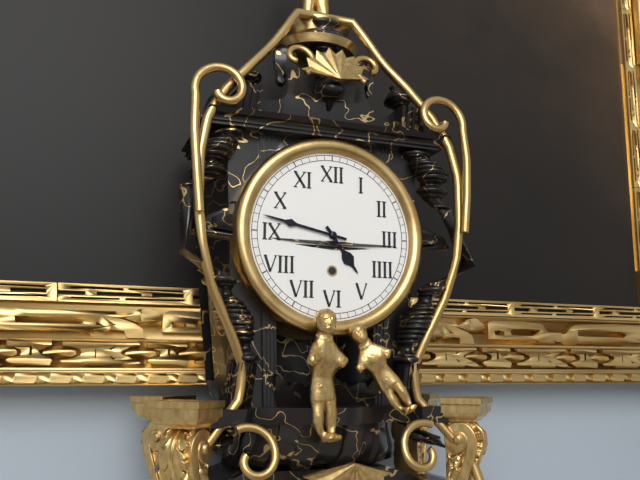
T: **4:47**
